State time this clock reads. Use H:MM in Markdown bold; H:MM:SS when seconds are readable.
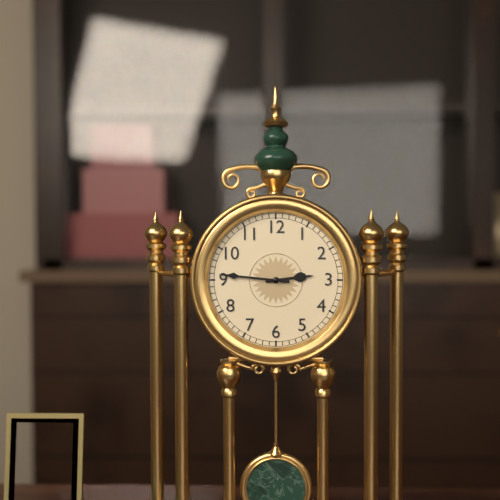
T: **2:46**
